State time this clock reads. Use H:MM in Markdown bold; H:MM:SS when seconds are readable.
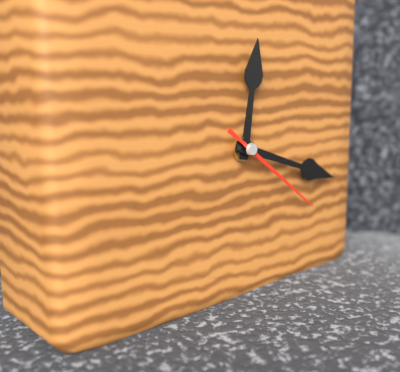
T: **12:18:21**
